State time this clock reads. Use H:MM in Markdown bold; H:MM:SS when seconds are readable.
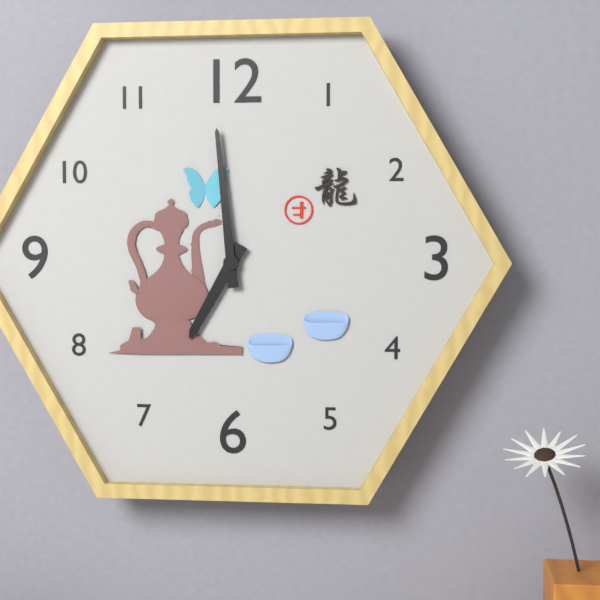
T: **6:59**
